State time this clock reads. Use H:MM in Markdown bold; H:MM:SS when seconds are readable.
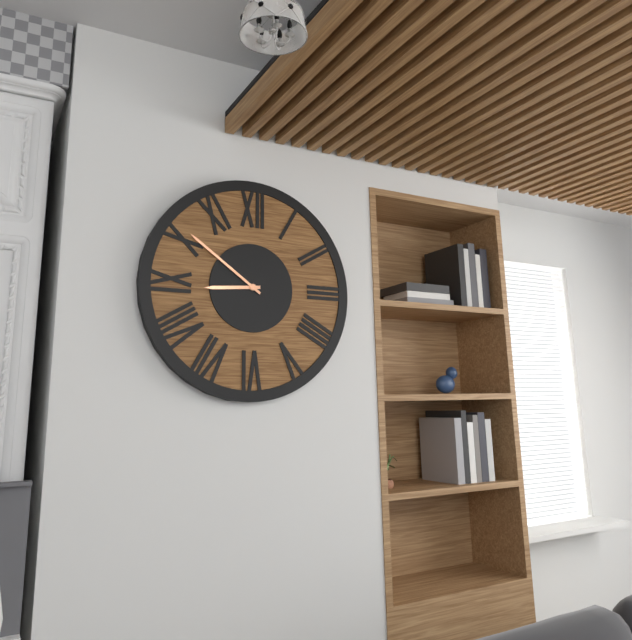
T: **8:51**
